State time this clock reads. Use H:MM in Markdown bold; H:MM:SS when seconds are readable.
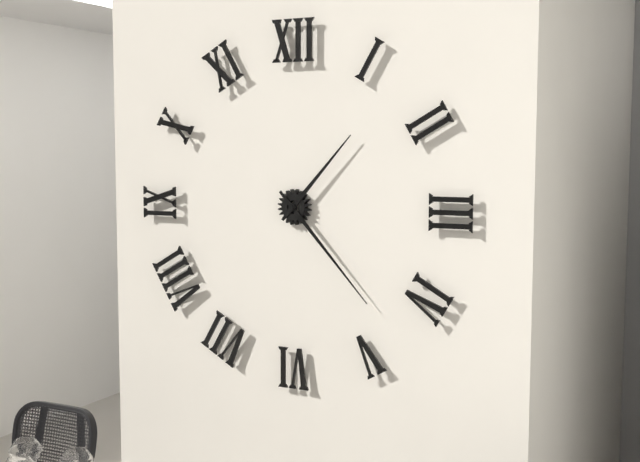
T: **1:23**
